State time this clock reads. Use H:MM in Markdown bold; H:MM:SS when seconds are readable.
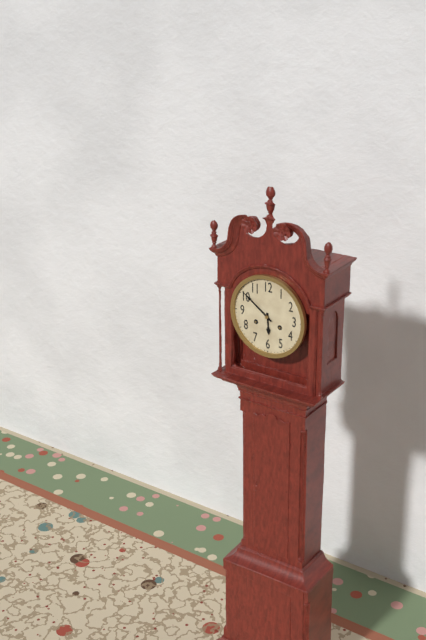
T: **5:51**
